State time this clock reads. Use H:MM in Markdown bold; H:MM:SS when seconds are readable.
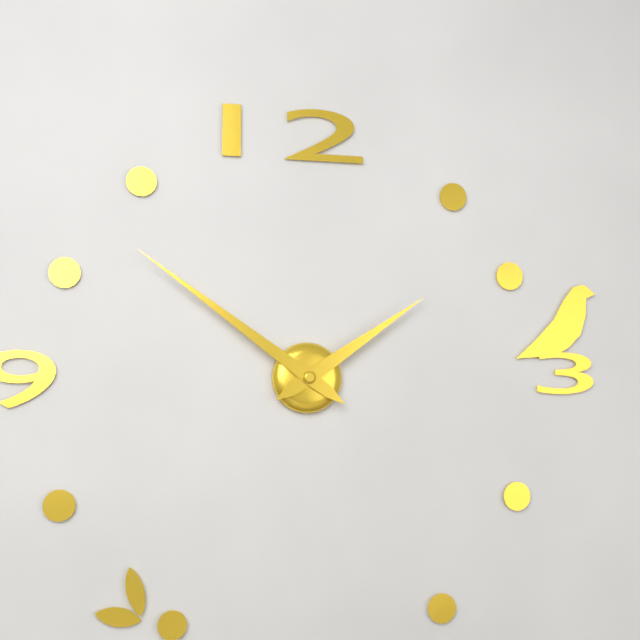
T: **1:51**
